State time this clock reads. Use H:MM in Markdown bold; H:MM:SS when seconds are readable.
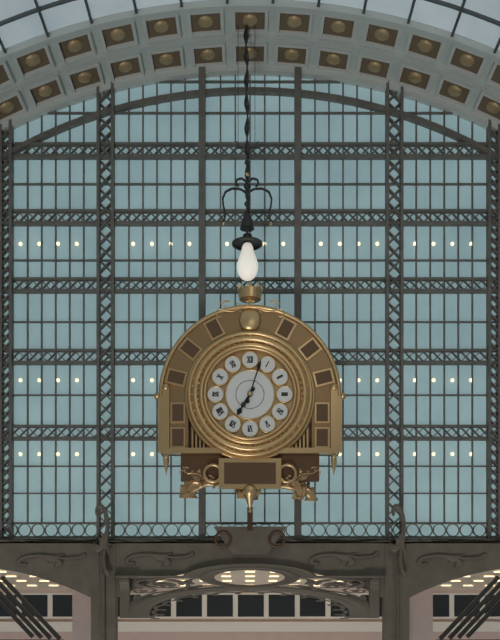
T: **7:03**
